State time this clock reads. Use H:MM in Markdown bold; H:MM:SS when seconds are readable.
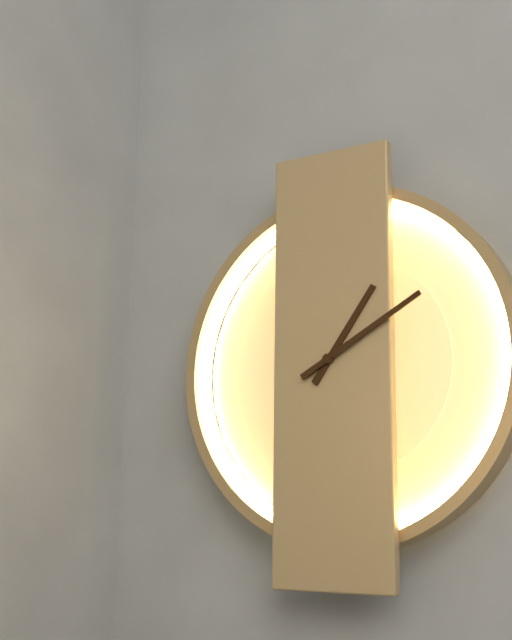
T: **1:10**
